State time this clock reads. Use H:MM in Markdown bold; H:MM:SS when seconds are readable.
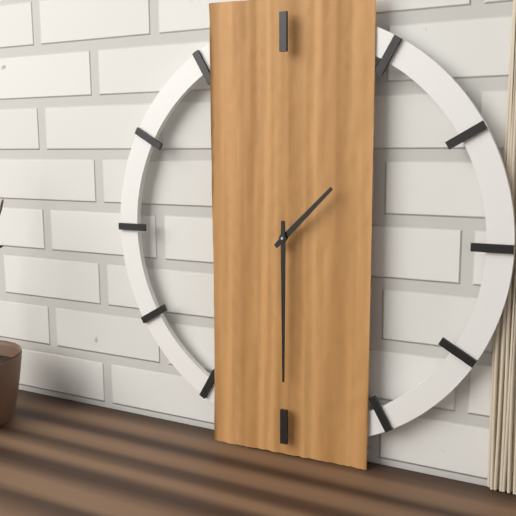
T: **1:30**
